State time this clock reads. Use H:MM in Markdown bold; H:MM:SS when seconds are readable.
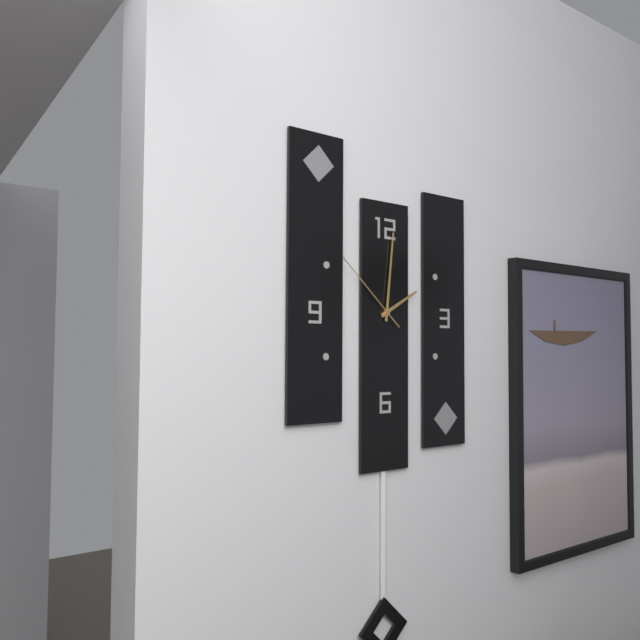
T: **2:01:52**
